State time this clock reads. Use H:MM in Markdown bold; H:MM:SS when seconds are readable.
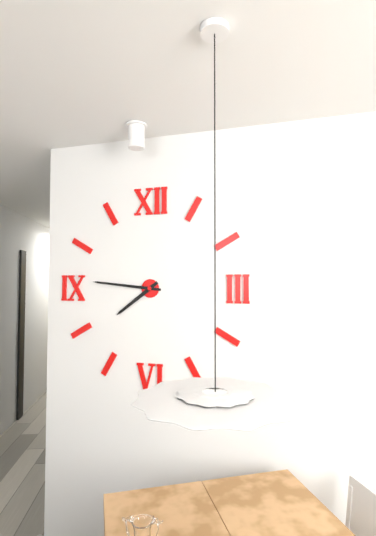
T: **7:46**
